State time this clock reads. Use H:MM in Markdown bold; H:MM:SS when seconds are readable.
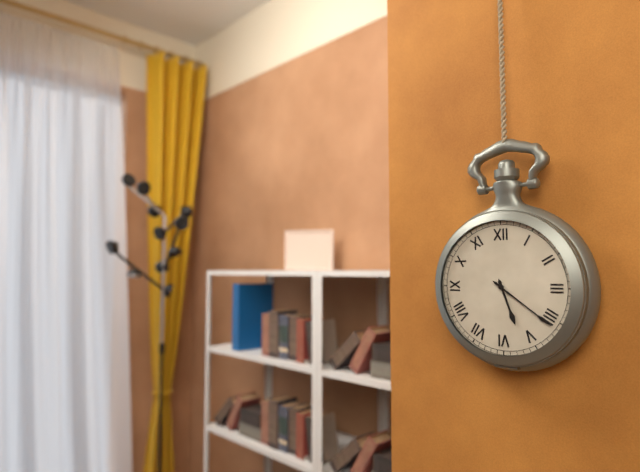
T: **5:21**
